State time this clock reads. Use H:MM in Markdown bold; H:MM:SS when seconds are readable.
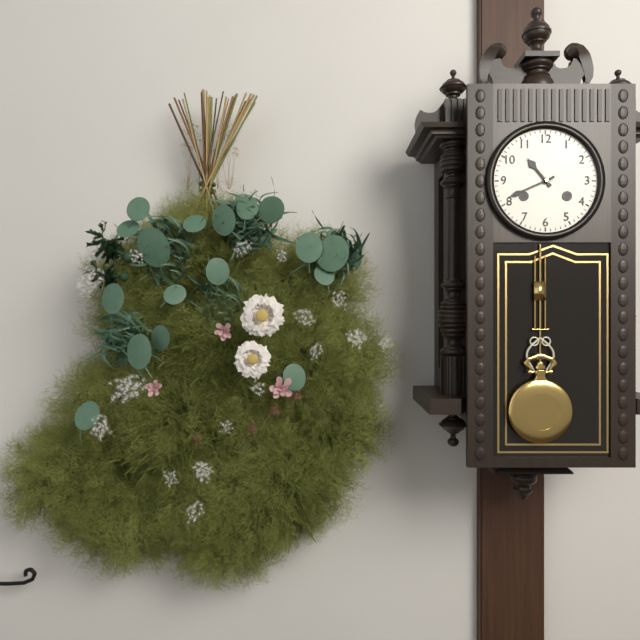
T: **10:41**
